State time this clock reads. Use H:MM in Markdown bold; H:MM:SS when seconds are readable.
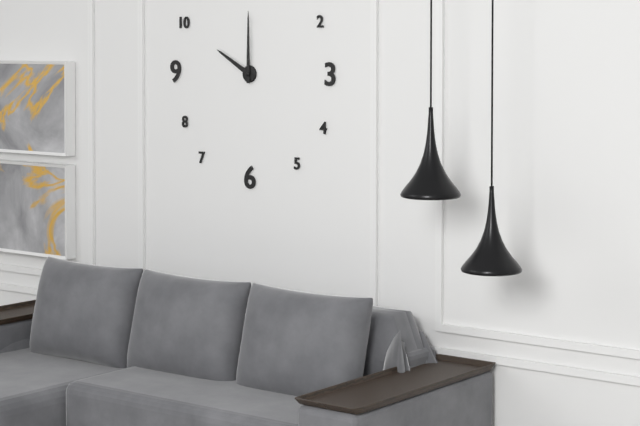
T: **10:00**
